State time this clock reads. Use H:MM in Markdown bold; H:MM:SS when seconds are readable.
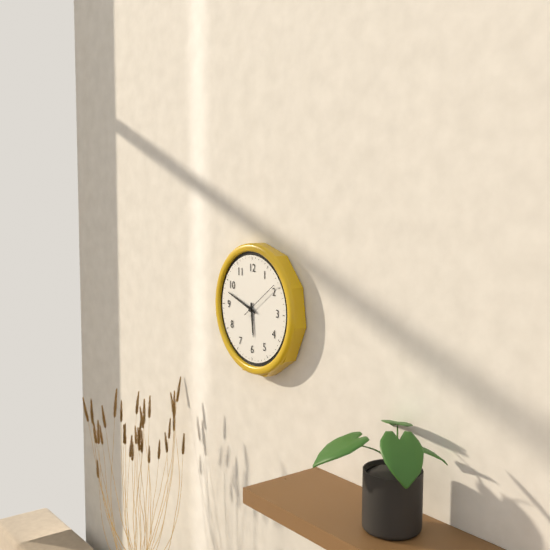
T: **5:48**
